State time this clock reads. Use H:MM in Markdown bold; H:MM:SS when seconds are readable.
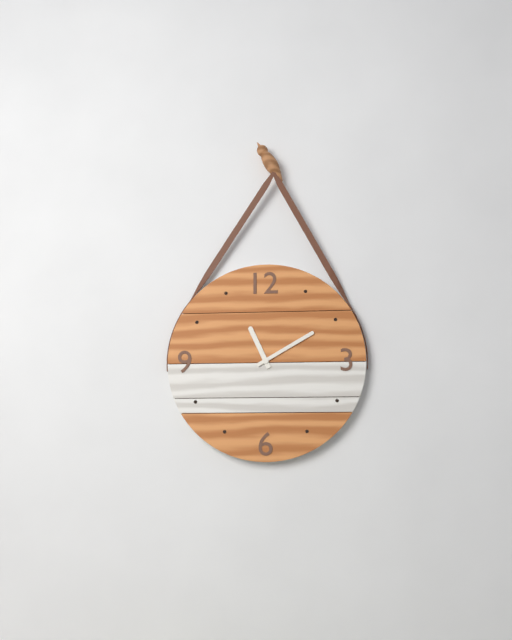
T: **11:10**
